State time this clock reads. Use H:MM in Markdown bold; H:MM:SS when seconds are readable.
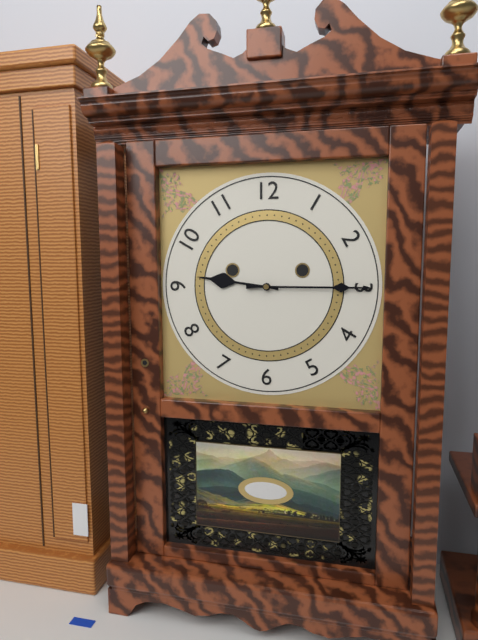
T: **9:15**
